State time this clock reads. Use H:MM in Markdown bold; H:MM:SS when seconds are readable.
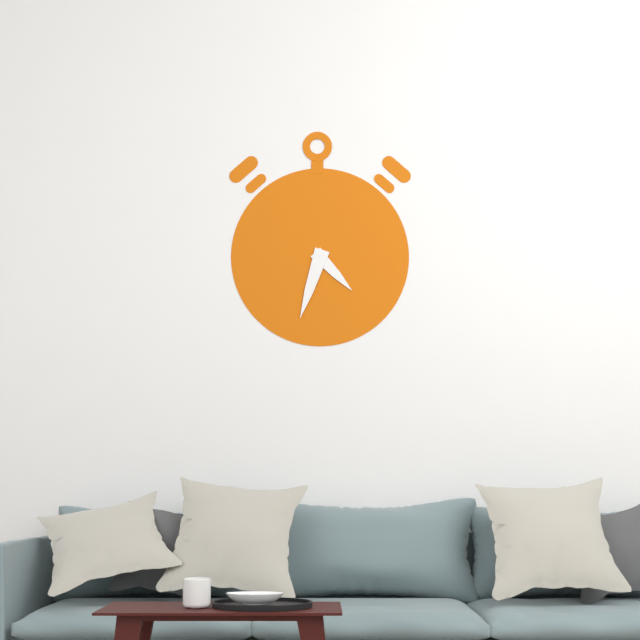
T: **4:33**
